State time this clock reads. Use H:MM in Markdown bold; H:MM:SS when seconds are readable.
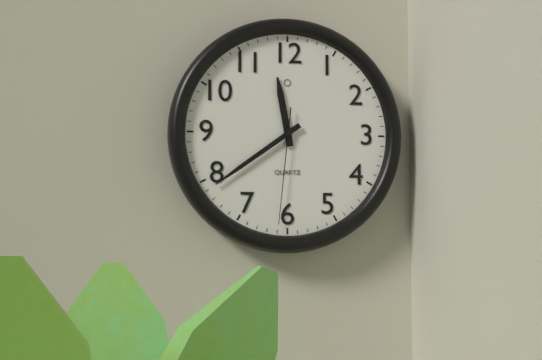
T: **11:39:31**
